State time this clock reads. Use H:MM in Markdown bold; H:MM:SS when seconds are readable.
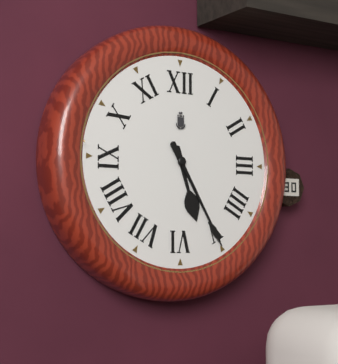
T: **5:25**
